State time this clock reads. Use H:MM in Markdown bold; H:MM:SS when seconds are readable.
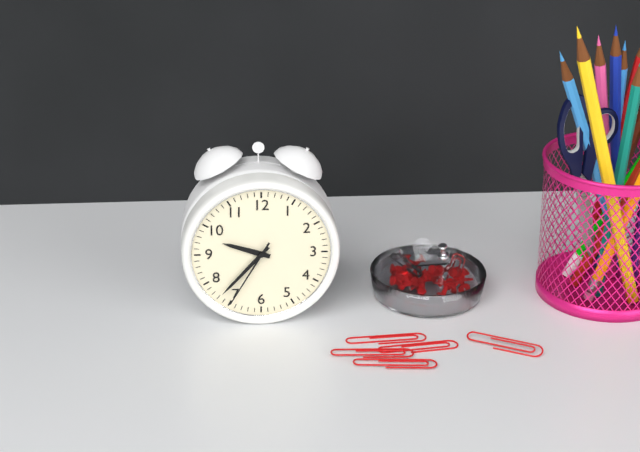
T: **9:37:35**
